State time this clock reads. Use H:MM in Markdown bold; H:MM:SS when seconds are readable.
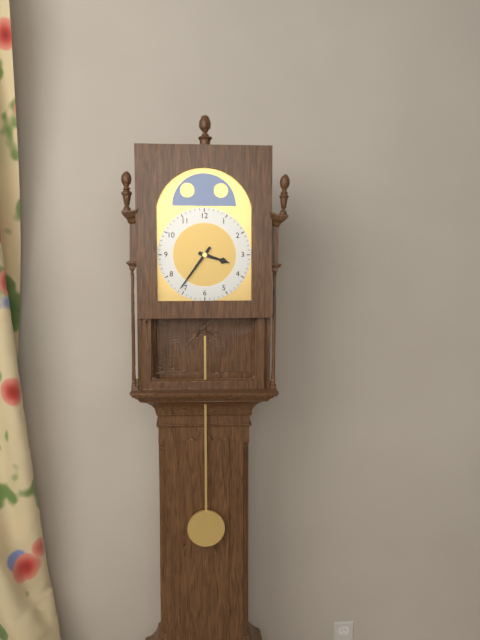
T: **3:36**
